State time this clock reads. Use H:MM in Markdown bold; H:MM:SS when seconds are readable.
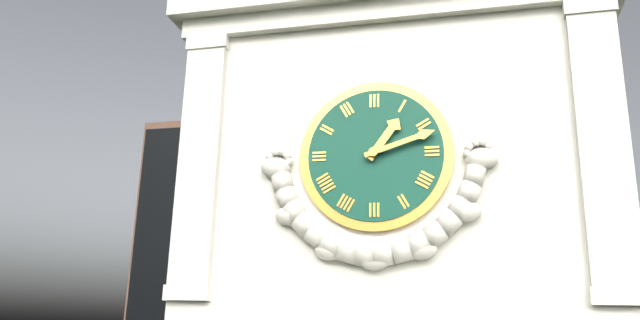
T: **1:12**
